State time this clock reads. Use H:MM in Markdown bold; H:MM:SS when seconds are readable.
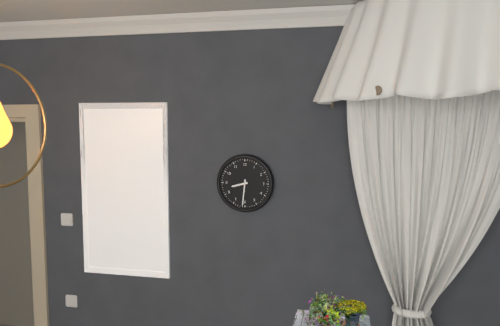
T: **8:31**
